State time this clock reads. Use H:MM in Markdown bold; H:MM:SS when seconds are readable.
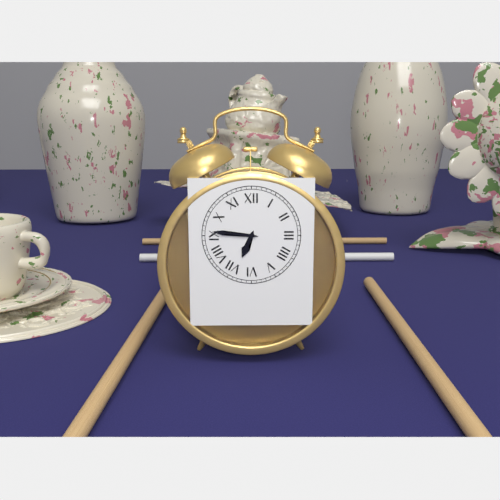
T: **6:46**
